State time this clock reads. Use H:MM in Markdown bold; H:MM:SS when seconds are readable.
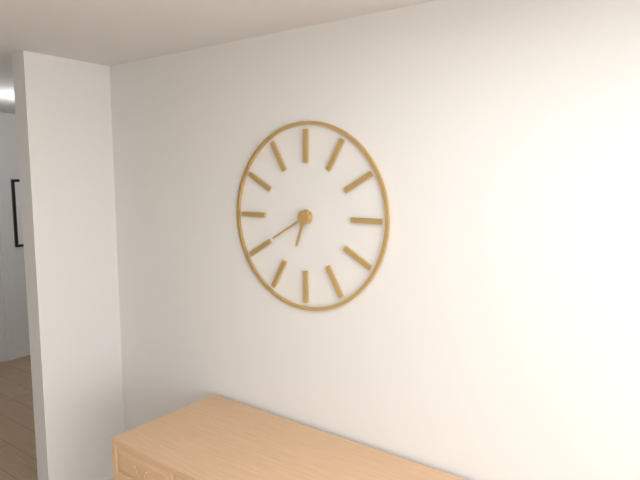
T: **6:40**
